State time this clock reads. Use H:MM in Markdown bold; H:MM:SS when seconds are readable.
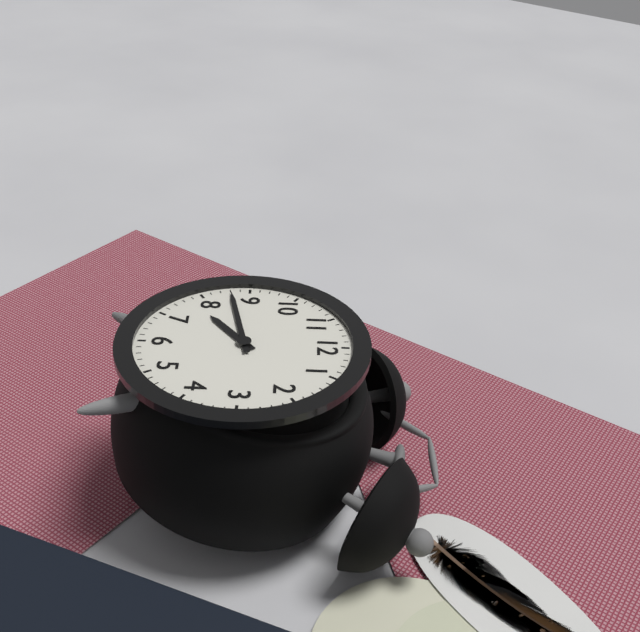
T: **7:43**
